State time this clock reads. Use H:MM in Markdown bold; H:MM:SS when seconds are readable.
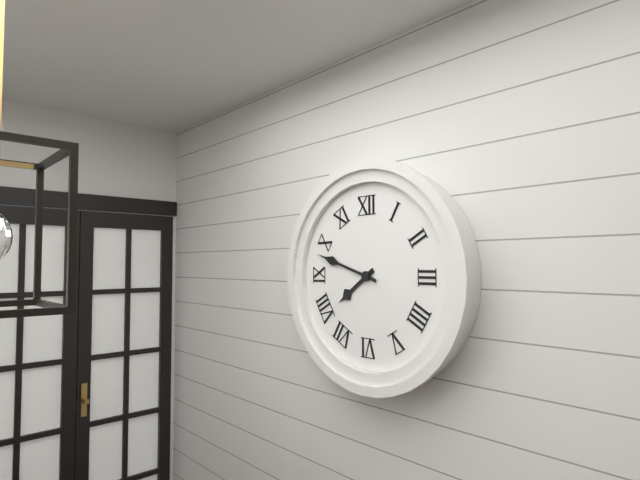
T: **7:48**
